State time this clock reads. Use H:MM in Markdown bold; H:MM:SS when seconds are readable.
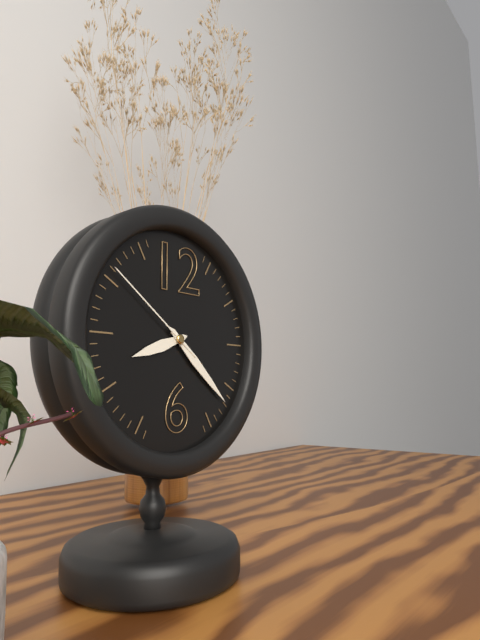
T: **8:22:51**
